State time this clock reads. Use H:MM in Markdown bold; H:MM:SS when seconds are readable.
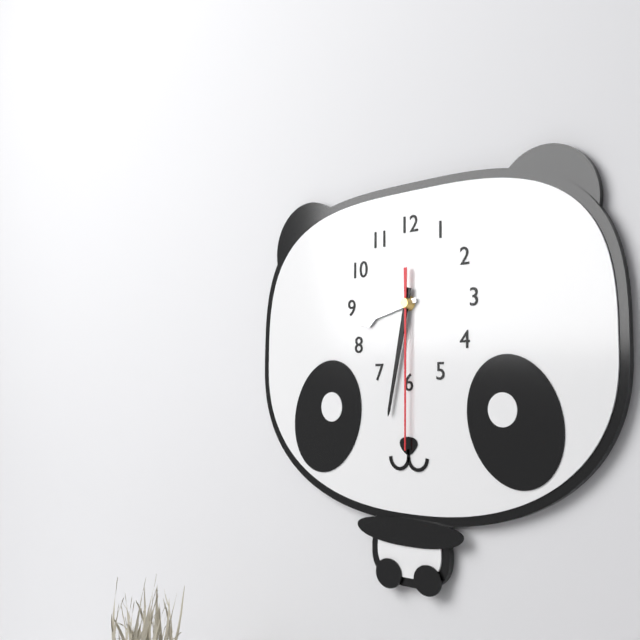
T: **8:32:30**
